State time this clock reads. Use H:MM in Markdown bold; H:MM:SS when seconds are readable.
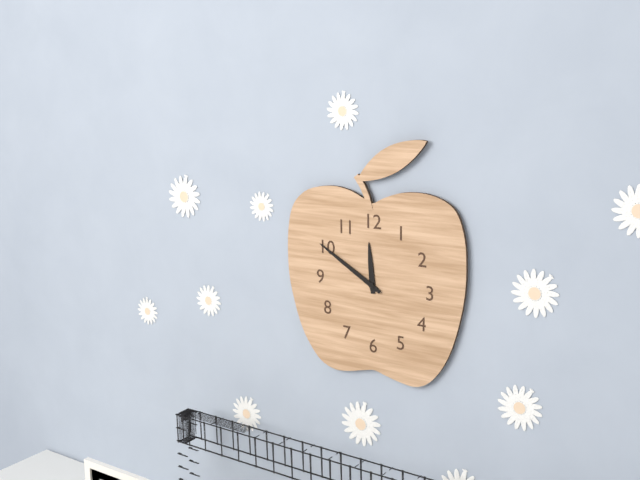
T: **11:50**
